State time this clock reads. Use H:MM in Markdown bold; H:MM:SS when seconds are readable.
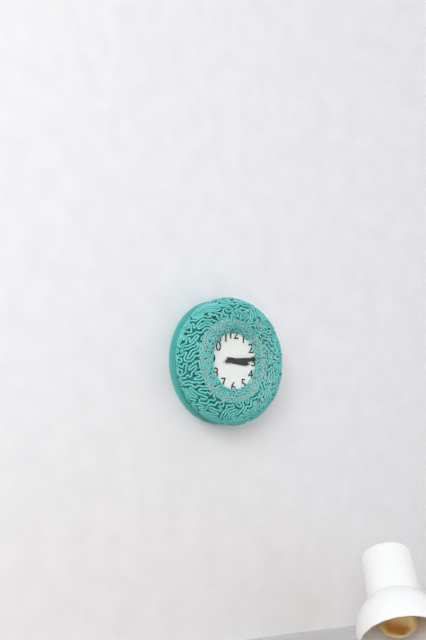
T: **3:14**
